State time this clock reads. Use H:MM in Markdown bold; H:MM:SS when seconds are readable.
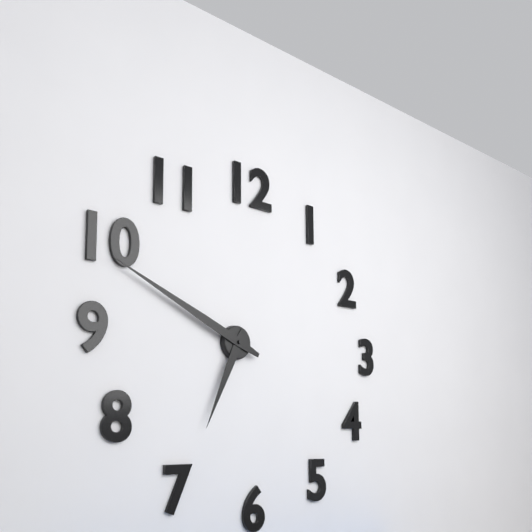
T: **6:49**
